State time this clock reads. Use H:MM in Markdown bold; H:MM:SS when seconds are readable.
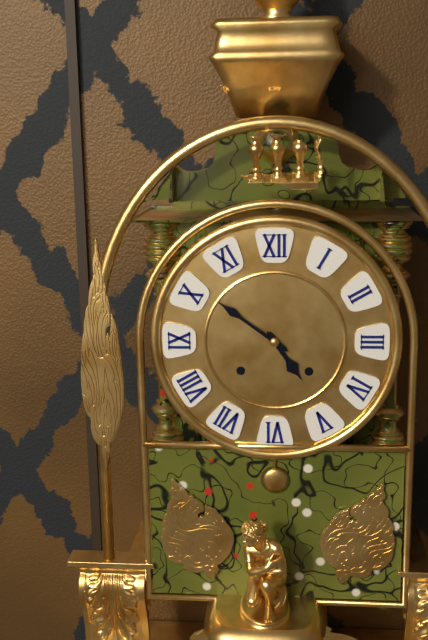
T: **4:51**
